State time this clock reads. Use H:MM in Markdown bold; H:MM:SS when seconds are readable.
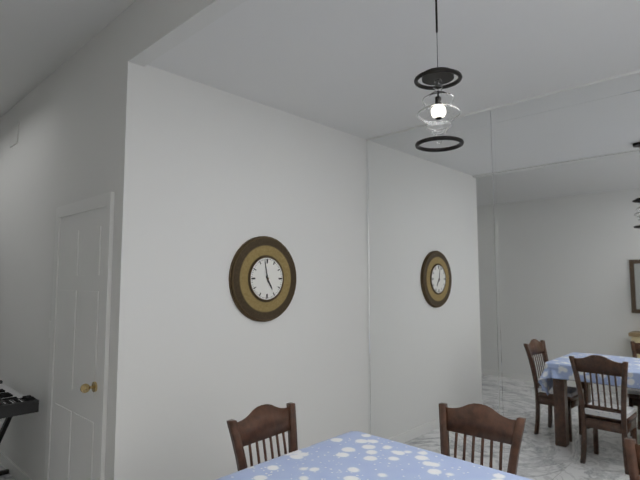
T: **4:58**
